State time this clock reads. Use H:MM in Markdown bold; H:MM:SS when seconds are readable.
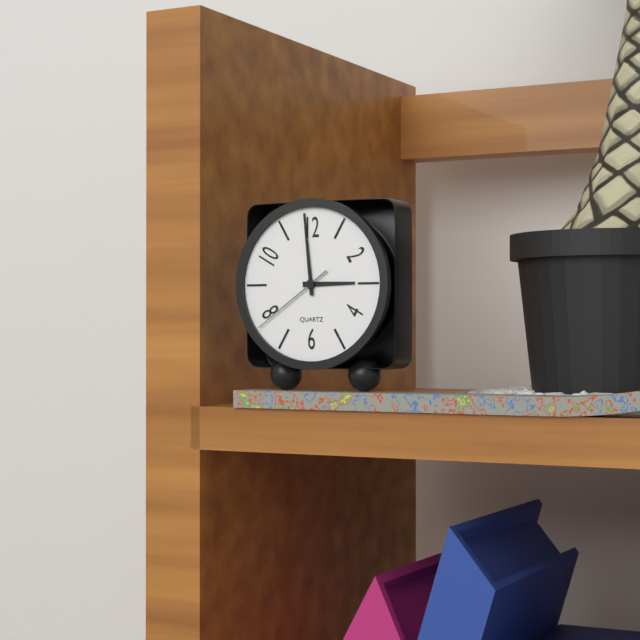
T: **2:59:39**
